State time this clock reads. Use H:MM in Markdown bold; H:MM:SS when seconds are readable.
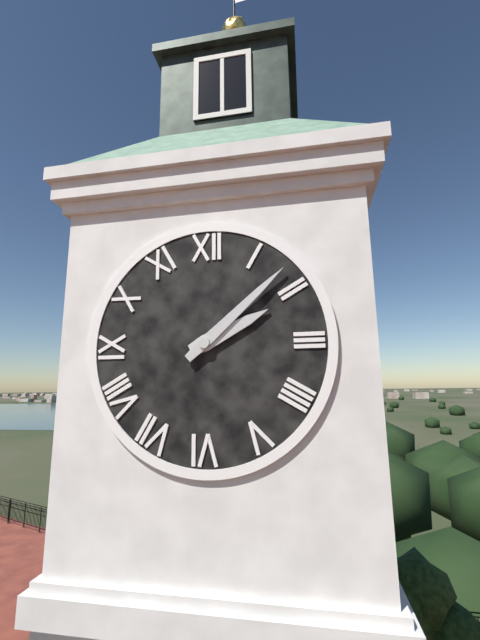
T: **2:08**
